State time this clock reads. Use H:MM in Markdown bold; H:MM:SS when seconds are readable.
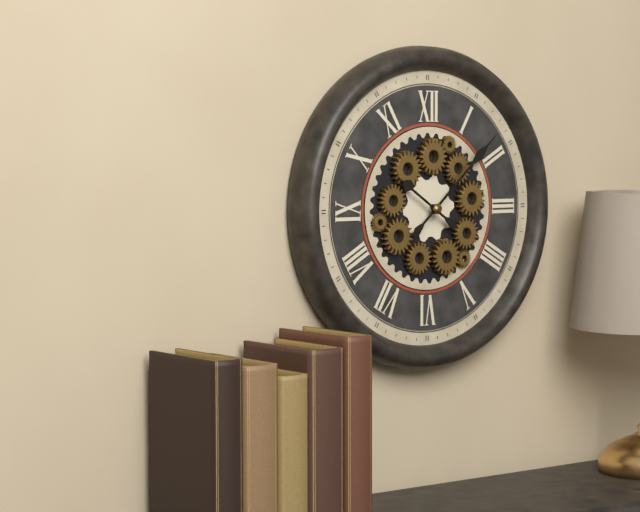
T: **10:08**
